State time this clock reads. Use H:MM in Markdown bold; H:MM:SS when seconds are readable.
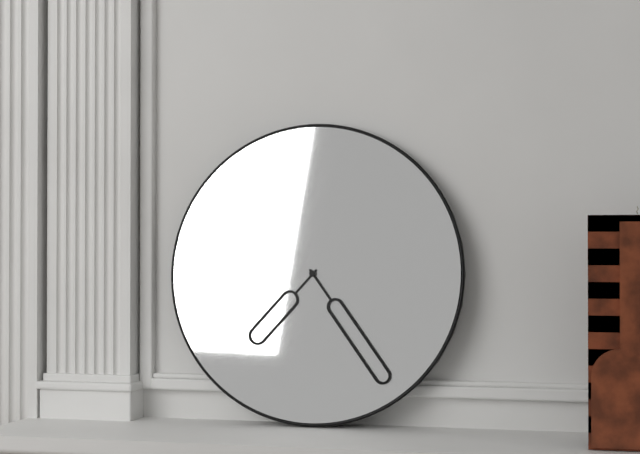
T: **7:24**
